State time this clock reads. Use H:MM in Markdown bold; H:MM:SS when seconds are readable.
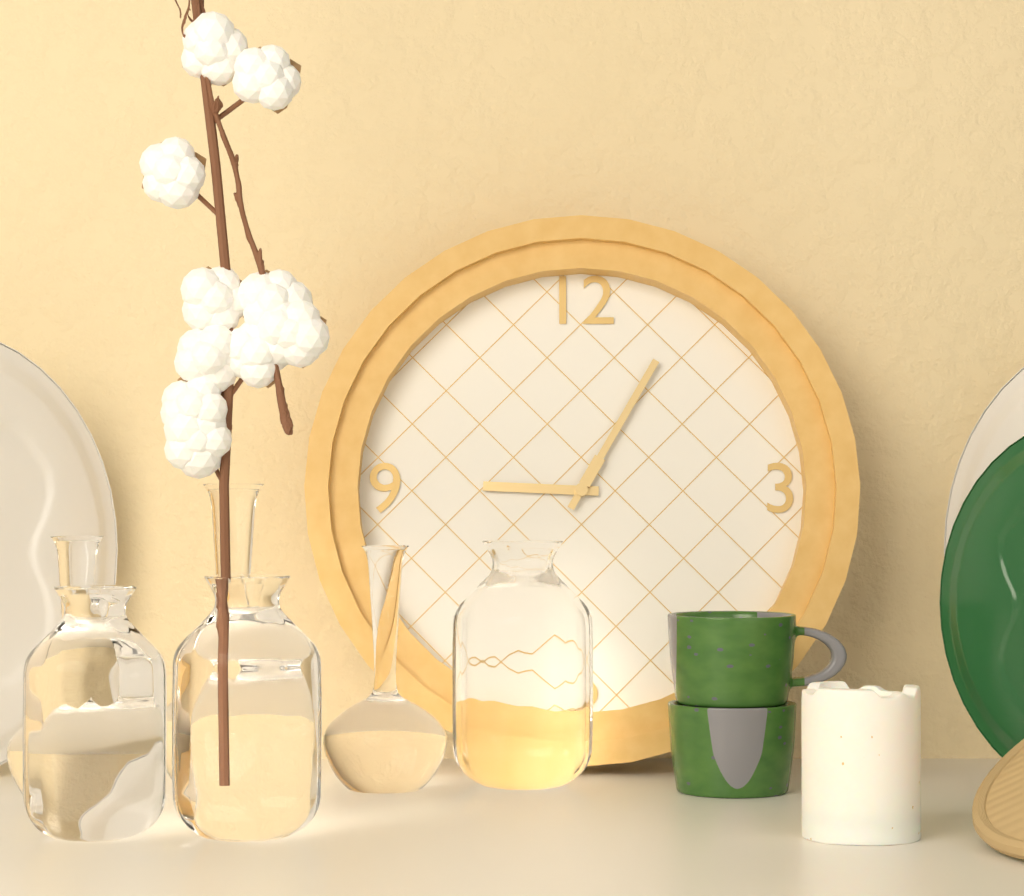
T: **9:05**
